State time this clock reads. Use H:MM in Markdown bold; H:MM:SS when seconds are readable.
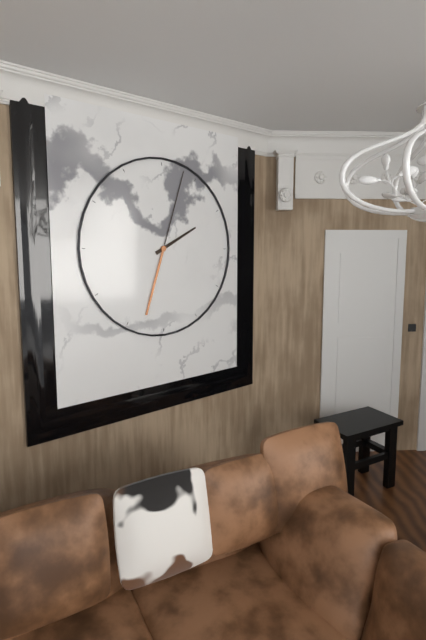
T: **2:03**
